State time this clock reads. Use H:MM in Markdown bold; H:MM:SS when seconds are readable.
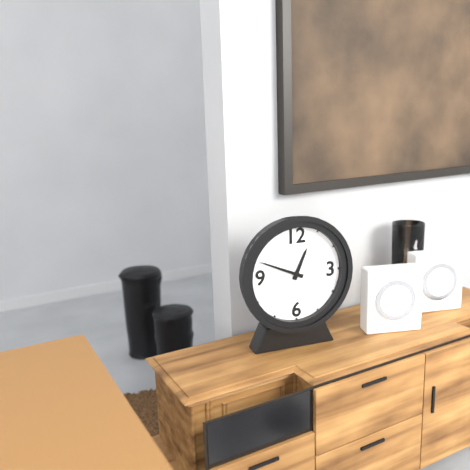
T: **12:49**
